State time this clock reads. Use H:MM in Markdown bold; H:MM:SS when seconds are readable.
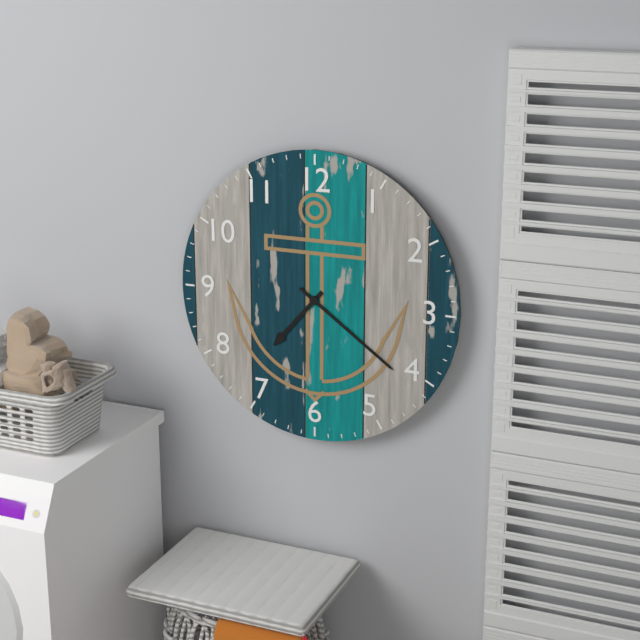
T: **7:21**
